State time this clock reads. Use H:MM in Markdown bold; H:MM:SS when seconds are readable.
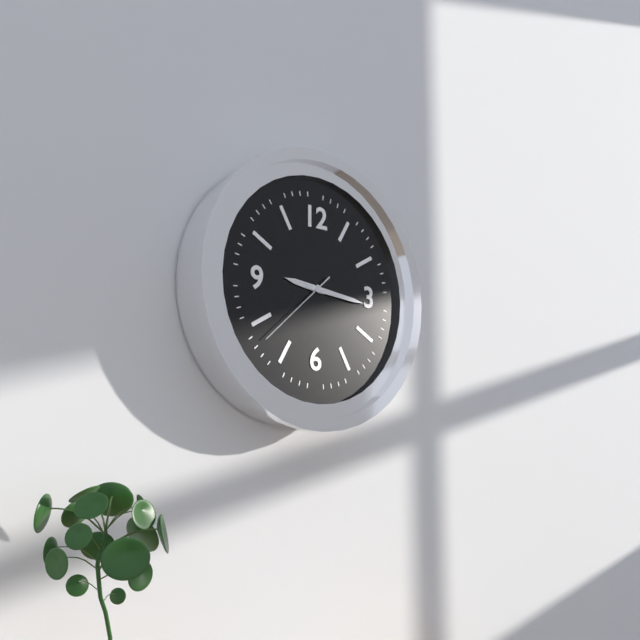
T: **9:16:38**
